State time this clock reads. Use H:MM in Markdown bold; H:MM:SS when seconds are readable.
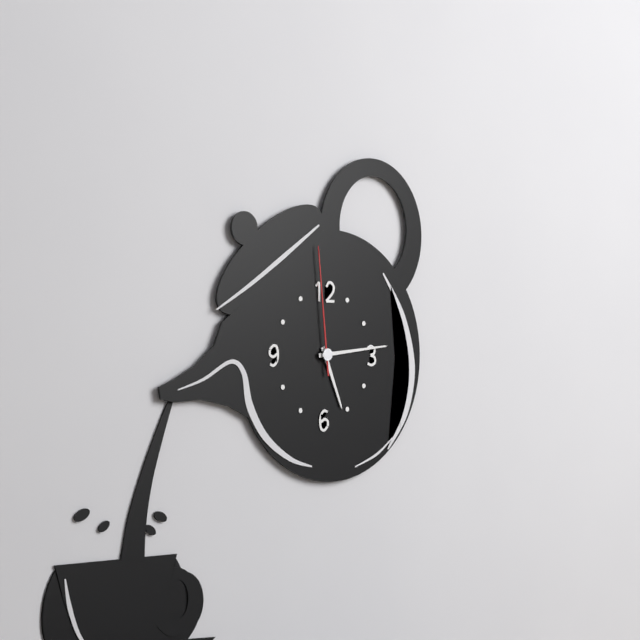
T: **5:14:59**
